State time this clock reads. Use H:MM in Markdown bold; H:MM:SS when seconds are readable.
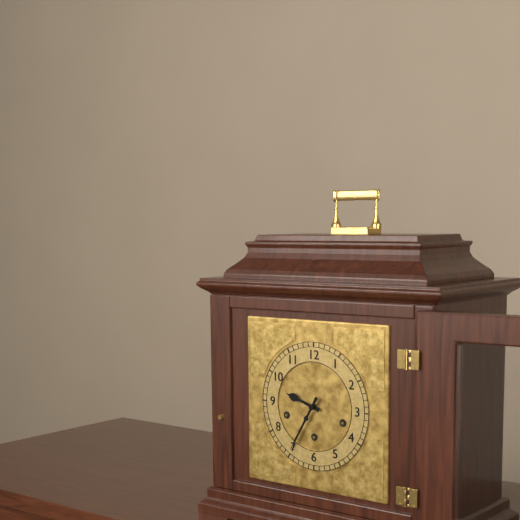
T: **9:35**
